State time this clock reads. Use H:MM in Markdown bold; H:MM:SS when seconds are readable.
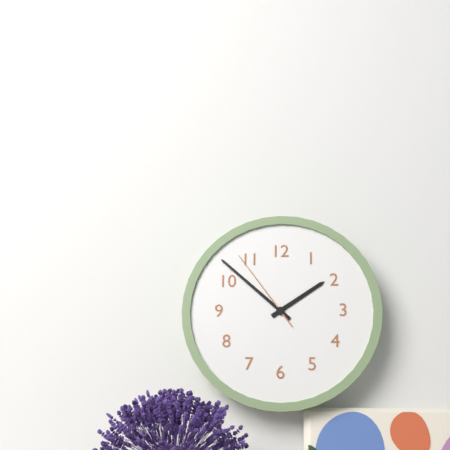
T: **1:52:54**
